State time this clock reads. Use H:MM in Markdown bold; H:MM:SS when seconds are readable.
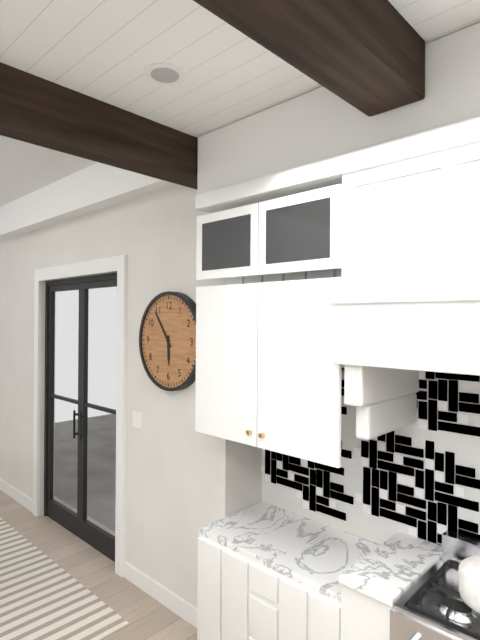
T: **5:54**
